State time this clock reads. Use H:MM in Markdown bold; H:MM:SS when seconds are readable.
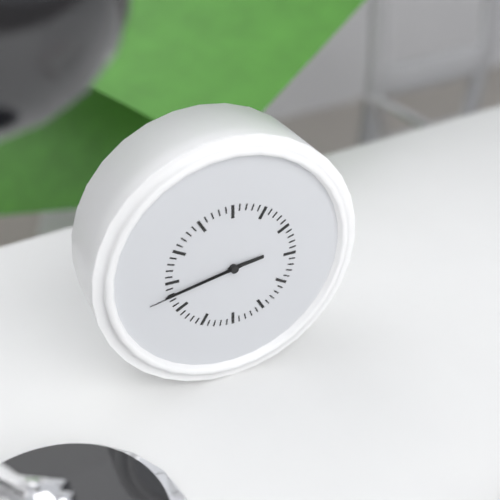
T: **2:43:43**
